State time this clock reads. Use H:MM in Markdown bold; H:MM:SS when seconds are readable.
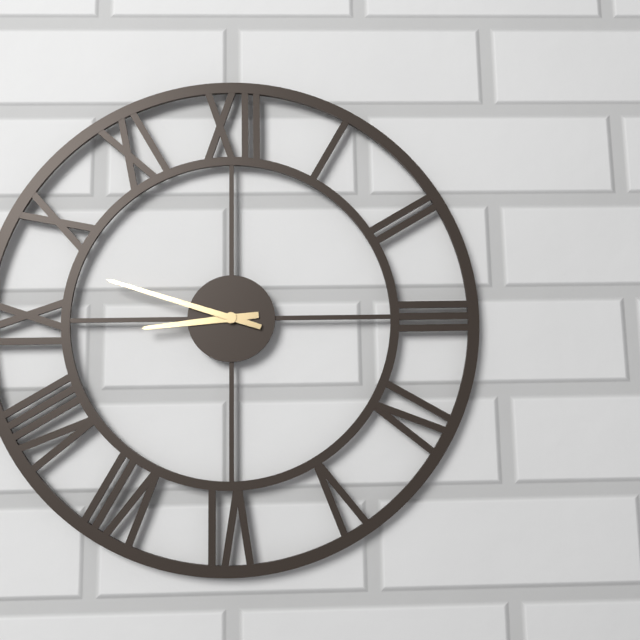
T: **8:48**
